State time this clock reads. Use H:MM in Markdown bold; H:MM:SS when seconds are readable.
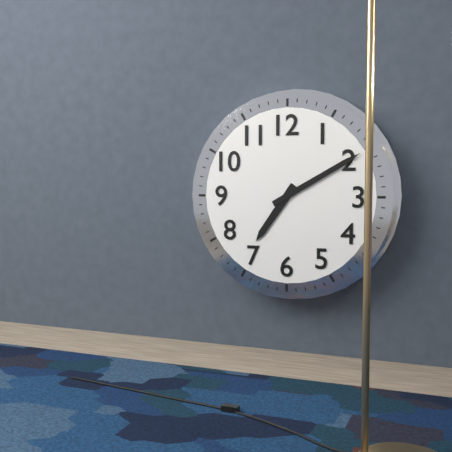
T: **7:10**
